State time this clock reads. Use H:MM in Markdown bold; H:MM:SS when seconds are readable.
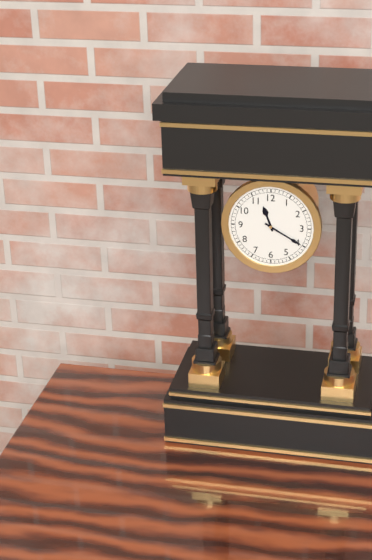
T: **11:20**
